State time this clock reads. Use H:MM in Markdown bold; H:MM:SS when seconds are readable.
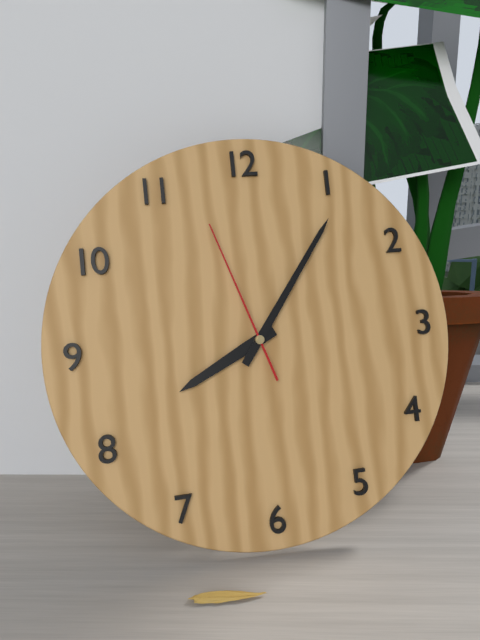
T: **8:06:57**
